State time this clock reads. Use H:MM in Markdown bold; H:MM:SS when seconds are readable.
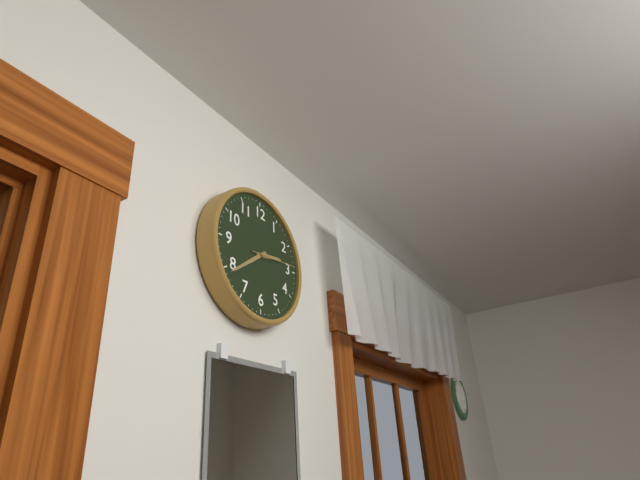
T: **2:39:14**
